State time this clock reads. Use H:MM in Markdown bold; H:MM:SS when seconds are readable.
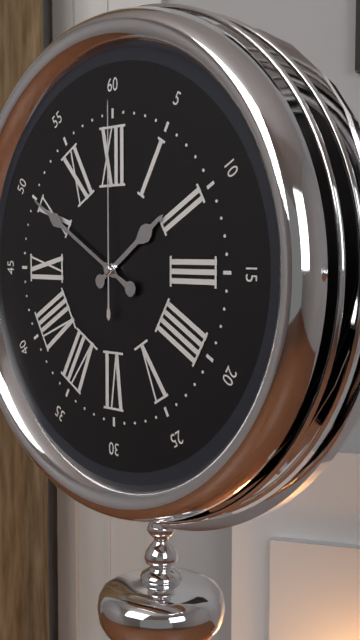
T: **1:50:00**
